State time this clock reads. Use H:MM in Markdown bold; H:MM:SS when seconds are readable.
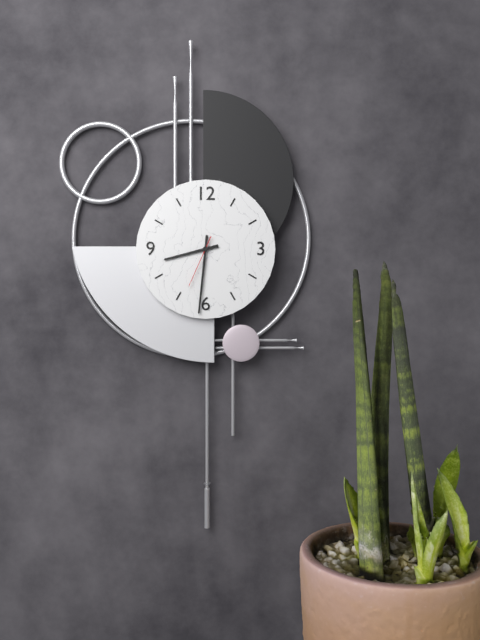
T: **8:31:34**
